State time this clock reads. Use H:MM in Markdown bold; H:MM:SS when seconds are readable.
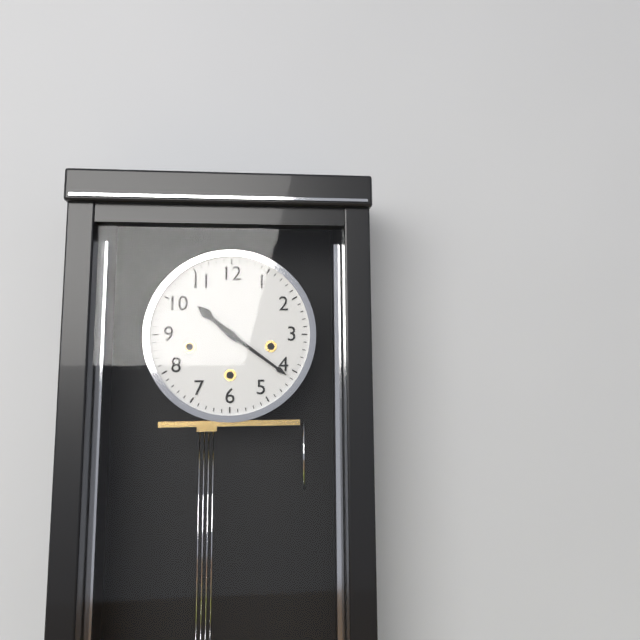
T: **10:21**
